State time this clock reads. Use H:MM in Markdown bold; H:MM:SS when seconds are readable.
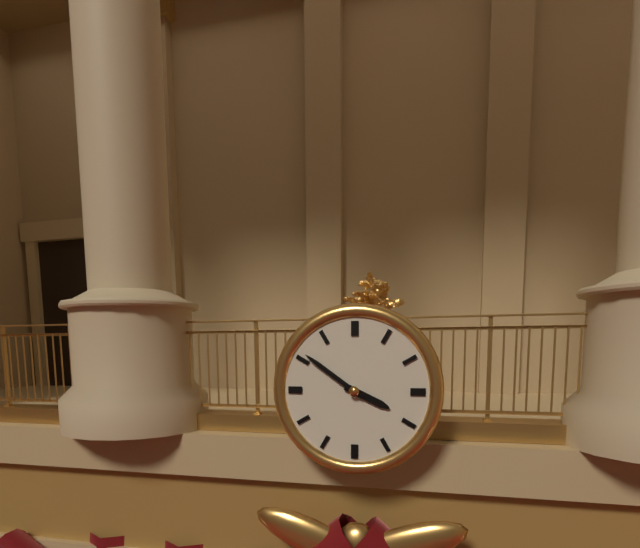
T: **3:51**
